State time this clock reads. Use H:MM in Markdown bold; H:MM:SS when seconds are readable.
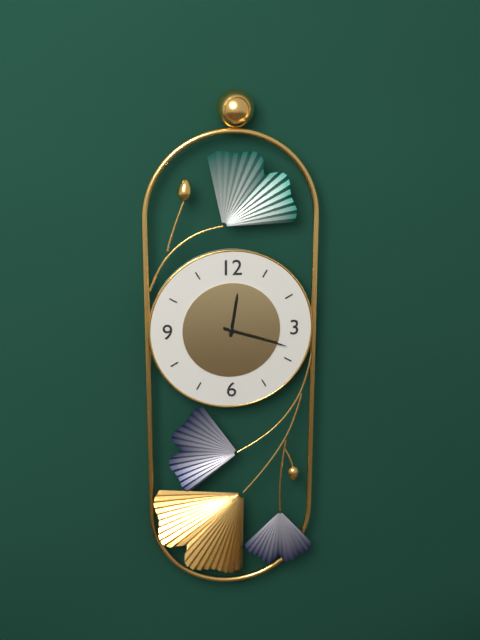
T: **12:18**
